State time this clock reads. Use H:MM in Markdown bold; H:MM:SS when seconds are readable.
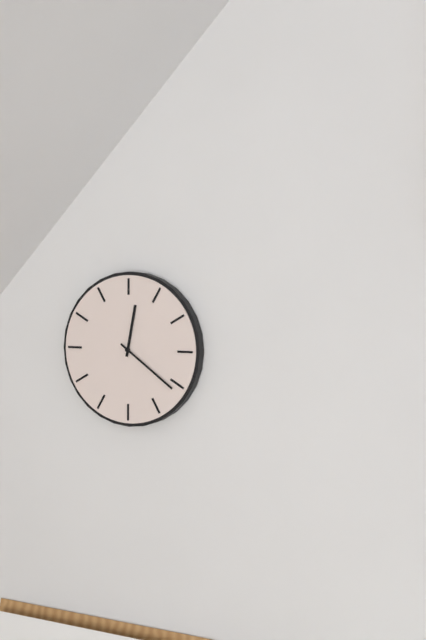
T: **12:21**
